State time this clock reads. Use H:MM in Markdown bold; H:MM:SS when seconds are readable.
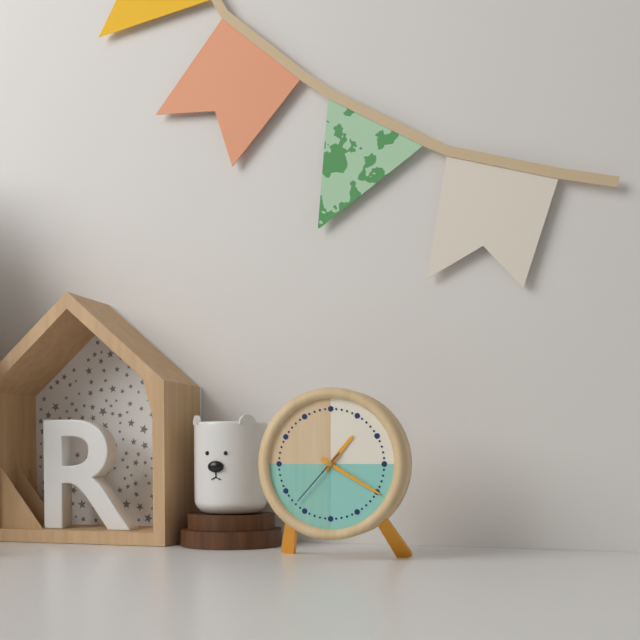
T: **1:20:37**
